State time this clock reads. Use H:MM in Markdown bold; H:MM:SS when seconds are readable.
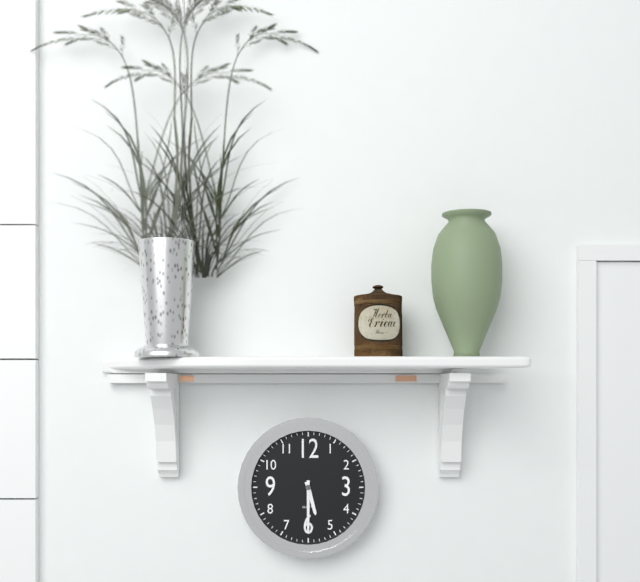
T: **5:30**
